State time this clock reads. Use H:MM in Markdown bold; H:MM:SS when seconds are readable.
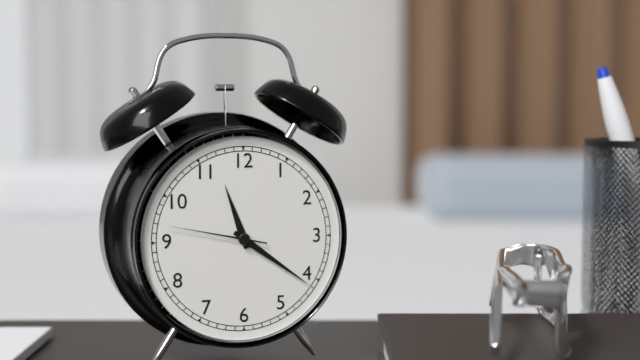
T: **11:21:47**
